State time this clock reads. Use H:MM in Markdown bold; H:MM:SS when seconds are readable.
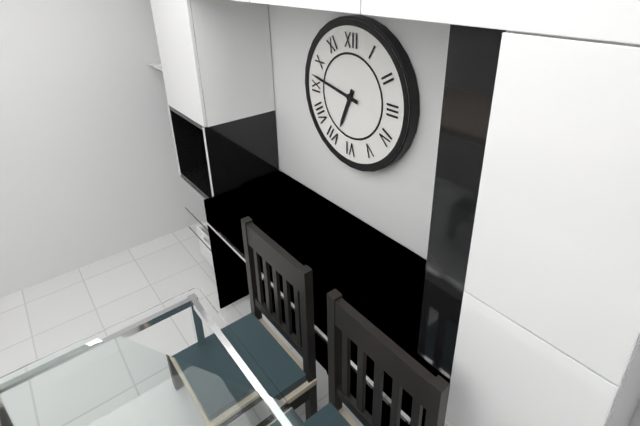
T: **6:47**
